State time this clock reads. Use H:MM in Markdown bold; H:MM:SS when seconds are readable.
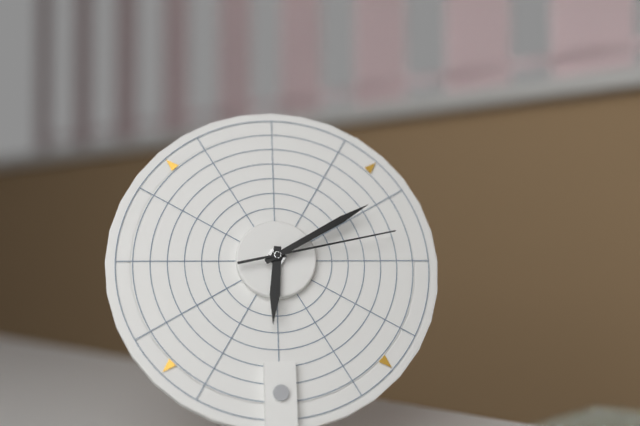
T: **6:10:13**
